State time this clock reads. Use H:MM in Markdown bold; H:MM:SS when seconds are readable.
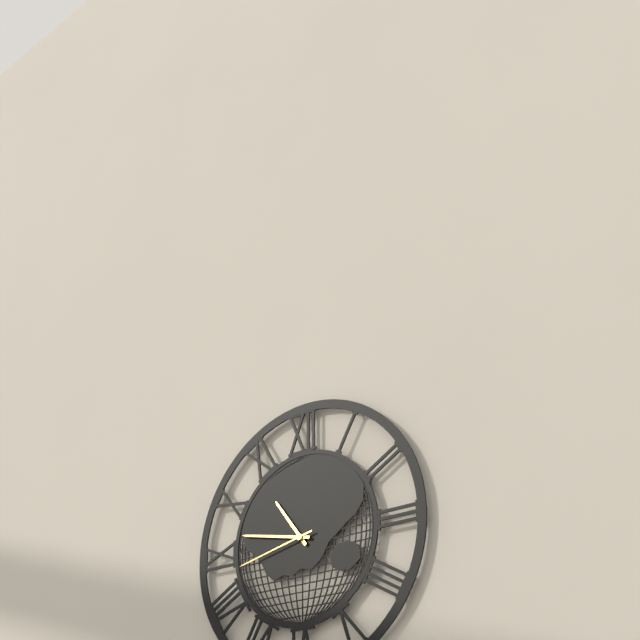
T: **10:47:43**
